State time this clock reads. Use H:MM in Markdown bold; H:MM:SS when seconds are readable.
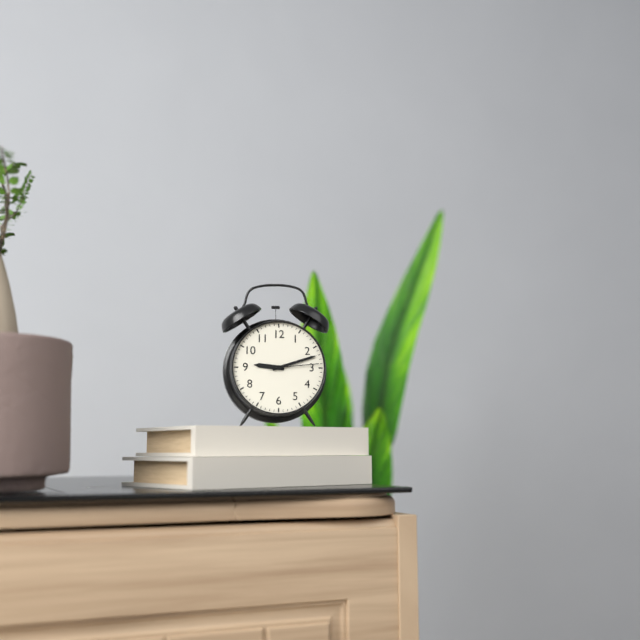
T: **9:12:14**
